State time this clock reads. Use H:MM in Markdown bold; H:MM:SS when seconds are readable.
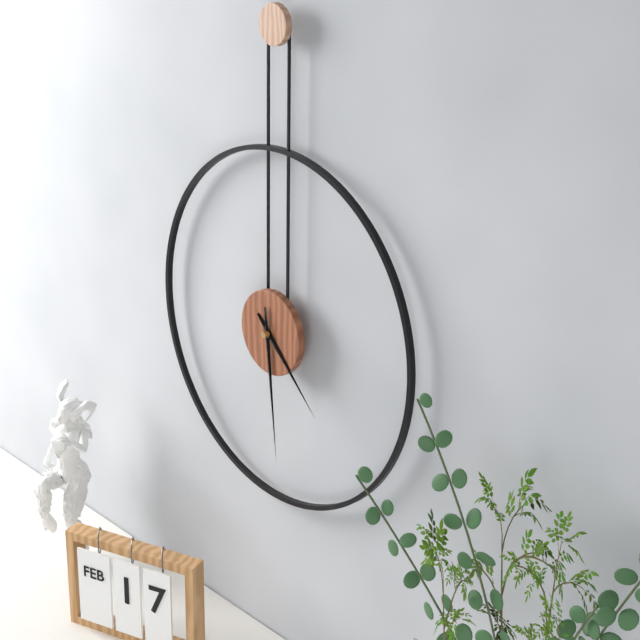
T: **4:29**
